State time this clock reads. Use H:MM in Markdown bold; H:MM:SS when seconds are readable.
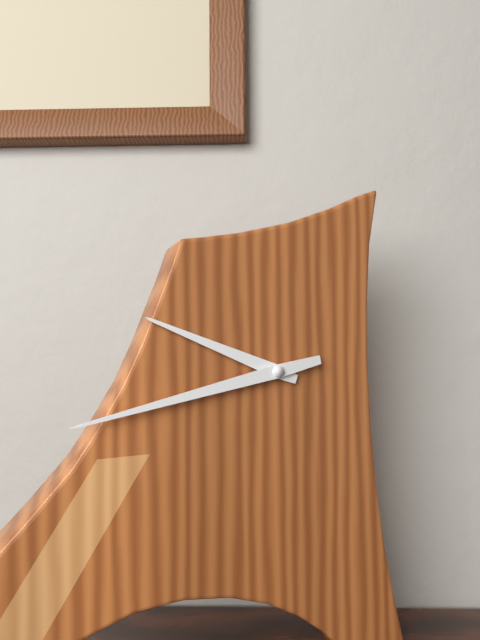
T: **9:43**
